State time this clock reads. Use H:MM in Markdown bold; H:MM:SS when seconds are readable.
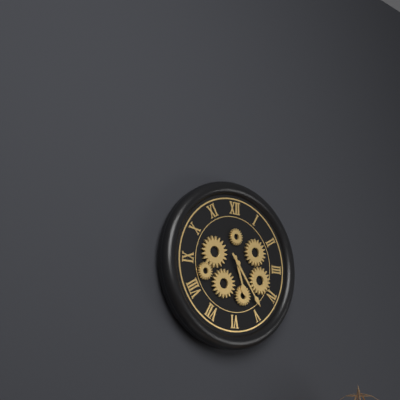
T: **5:24**
